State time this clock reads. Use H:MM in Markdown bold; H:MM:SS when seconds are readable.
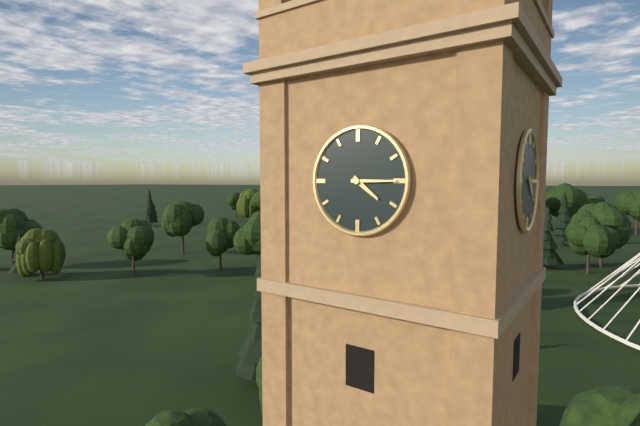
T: **4:15**
